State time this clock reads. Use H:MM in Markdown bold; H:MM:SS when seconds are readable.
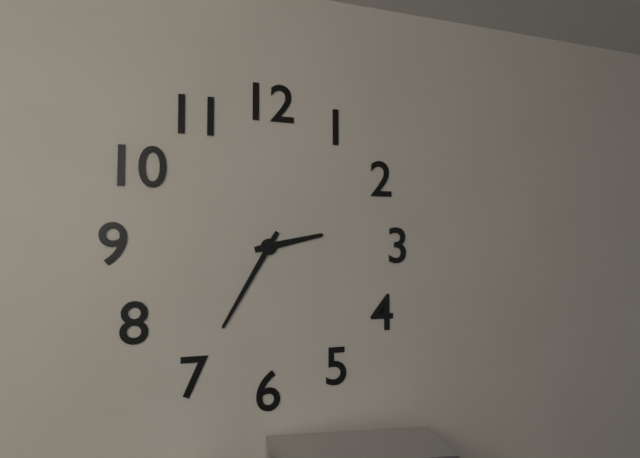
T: **2:35**
